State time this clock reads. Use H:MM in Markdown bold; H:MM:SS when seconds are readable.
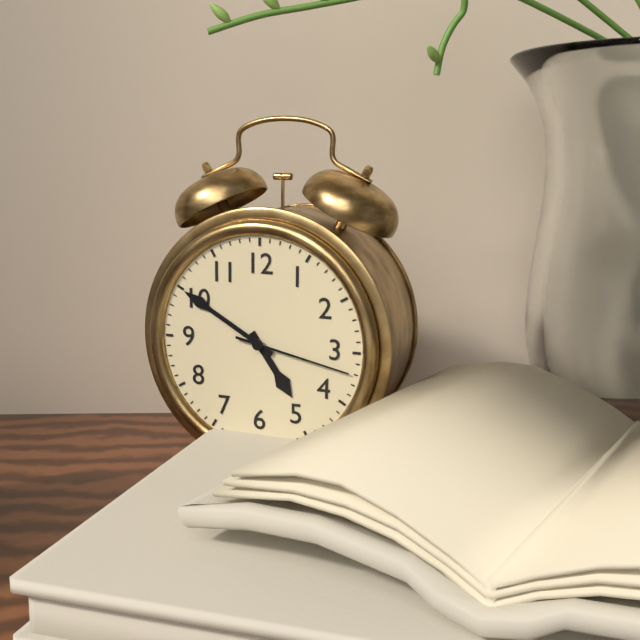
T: **4:50:17**
